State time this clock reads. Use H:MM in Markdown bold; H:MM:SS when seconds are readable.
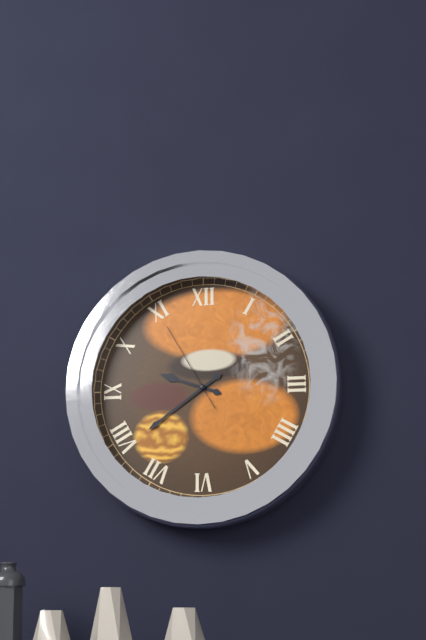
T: **9:39:55**
